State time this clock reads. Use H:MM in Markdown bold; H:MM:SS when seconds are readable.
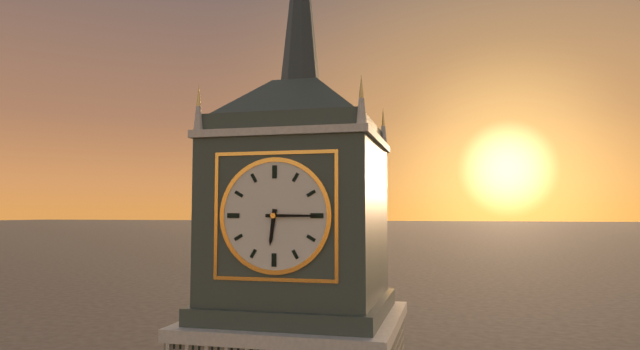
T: **6:15**
